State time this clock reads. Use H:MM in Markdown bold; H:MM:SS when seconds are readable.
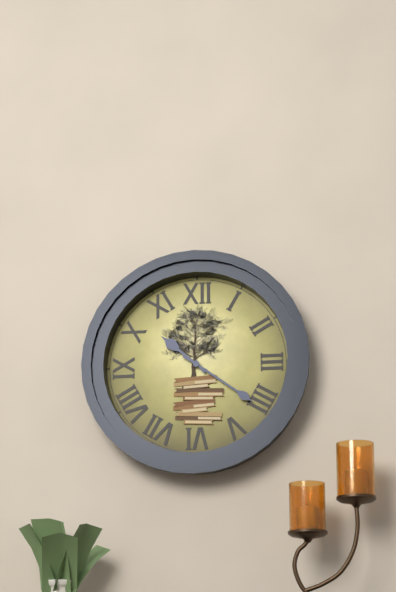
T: **10:21**
